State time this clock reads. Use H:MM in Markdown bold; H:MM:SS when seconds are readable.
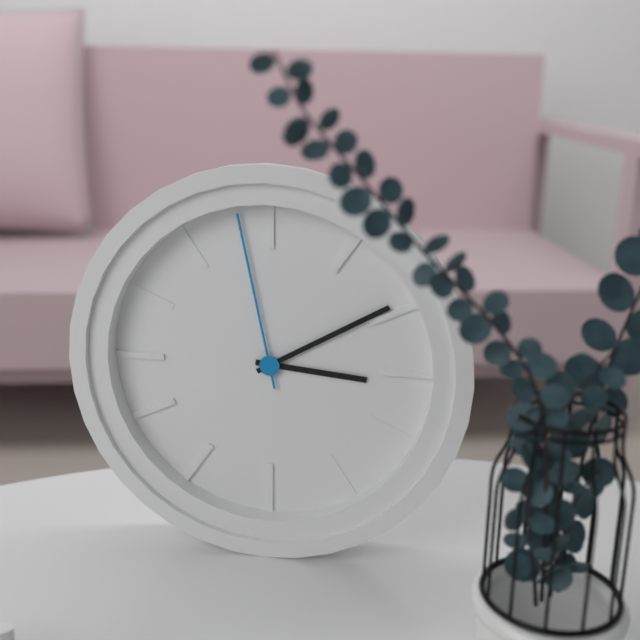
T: **3:10:58**
